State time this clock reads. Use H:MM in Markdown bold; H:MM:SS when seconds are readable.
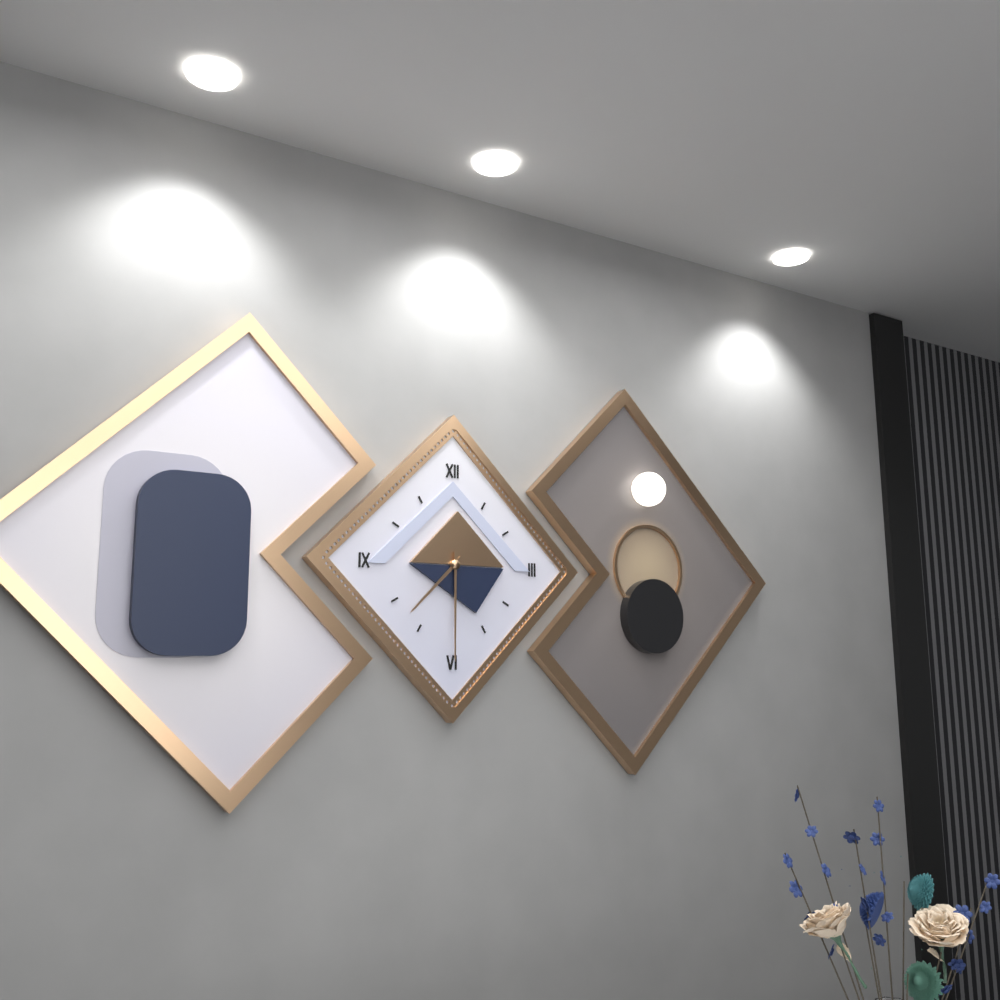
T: **7:30**
